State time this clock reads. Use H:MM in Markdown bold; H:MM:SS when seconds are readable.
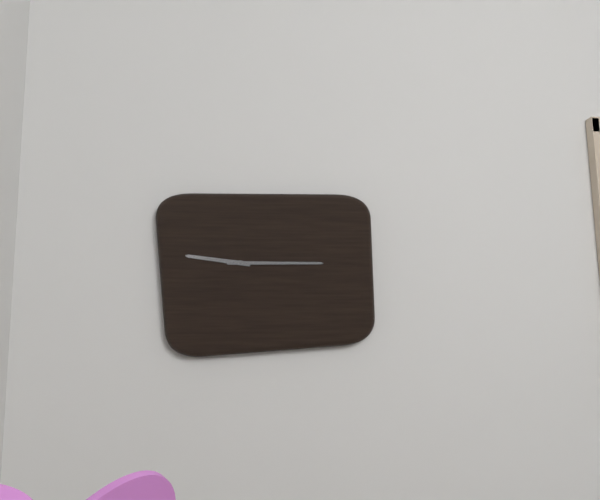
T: **9:15**
